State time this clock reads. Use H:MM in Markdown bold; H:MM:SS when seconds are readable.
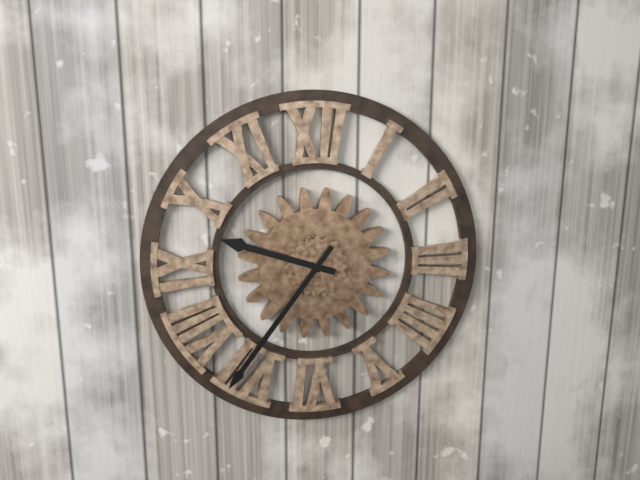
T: **9:36**
